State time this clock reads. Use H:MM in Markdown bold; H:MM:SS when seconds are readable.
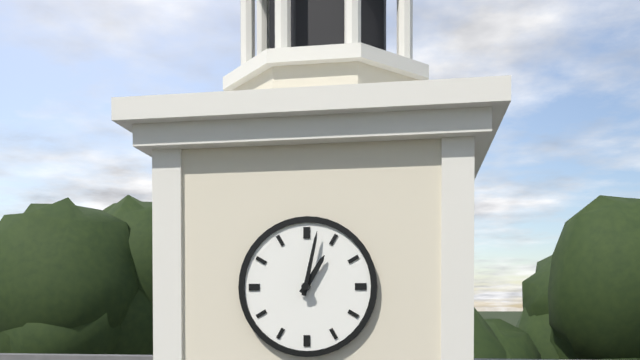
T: **1:02**
